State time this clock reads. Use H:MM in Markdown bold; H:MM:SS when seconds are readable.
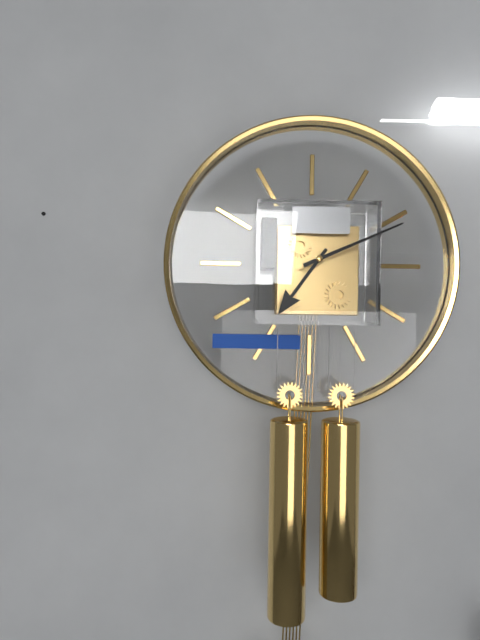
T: **7:11**
